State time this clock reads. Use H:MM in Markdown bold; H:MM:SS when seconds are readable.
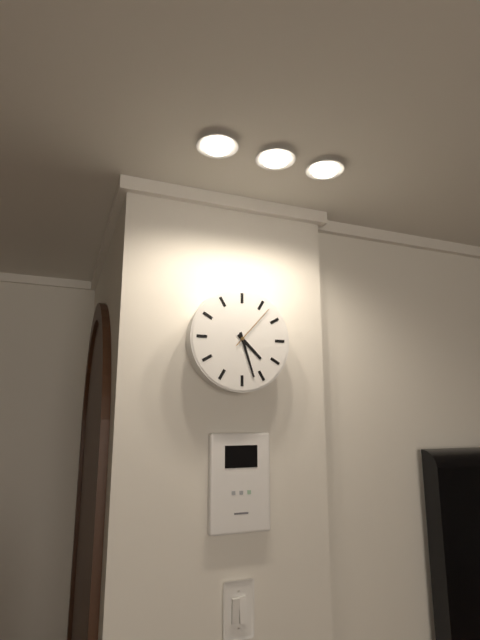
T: **4:27**
